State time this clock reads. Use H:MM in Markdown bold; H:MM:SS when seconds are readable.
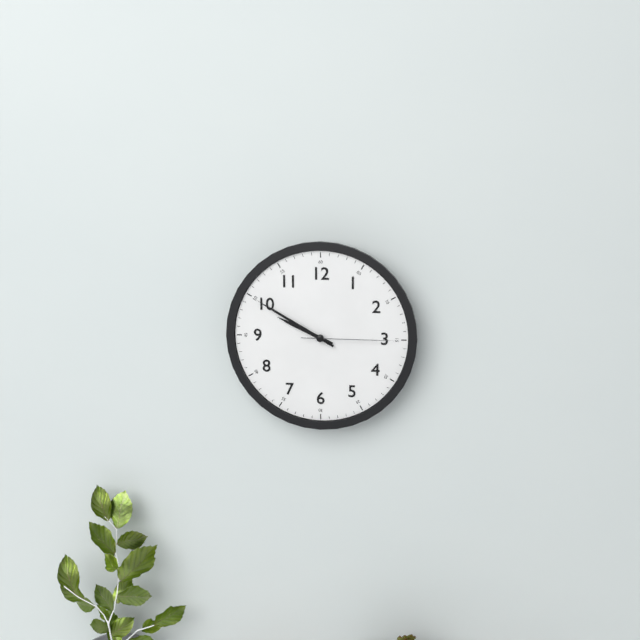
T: **9:50:15**
